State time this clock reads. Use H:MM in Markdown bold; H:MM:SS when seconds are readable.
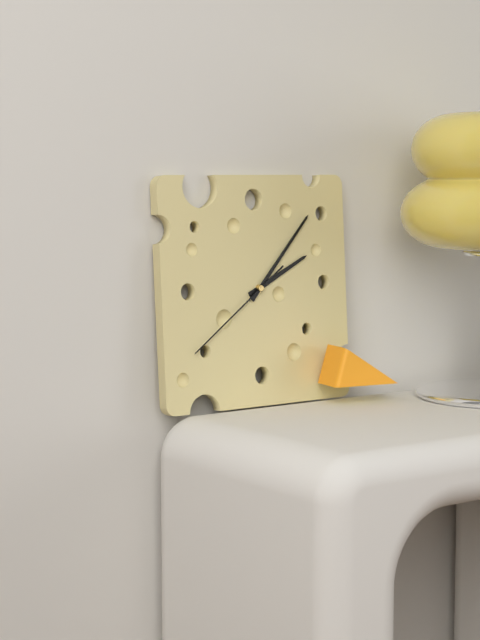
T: **2:07:39**
